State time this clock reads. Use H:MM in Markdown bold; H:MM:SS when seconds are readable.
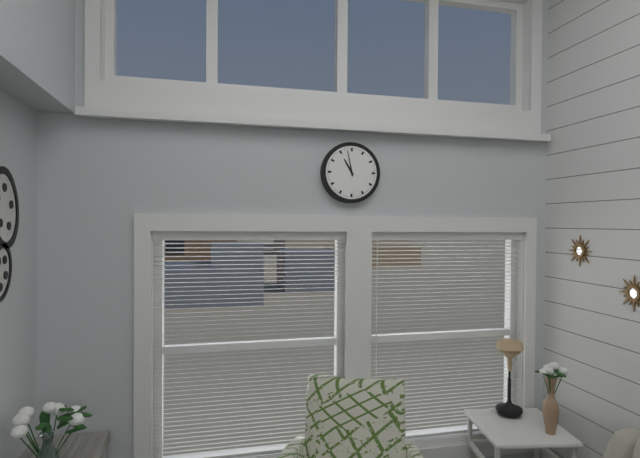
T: **10:58**
